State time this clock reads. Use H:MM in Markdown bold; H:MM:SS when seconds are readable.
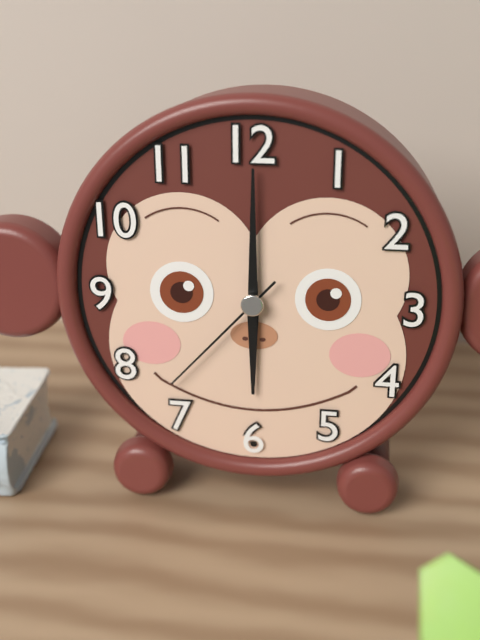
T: **6:00:37**
